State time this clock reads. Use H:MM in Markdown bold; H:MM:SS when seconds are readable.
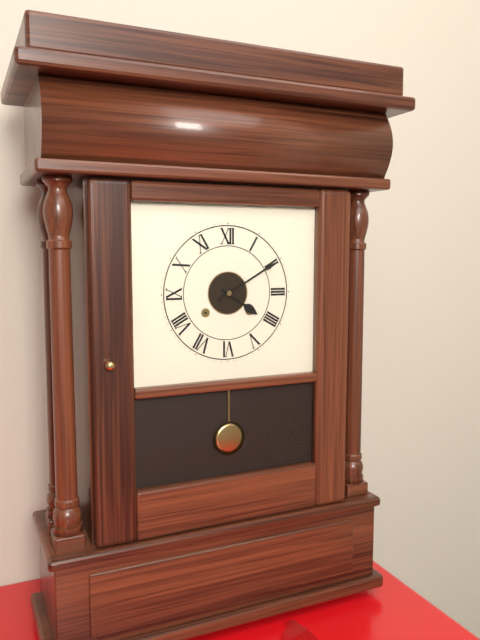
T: **4:10**
